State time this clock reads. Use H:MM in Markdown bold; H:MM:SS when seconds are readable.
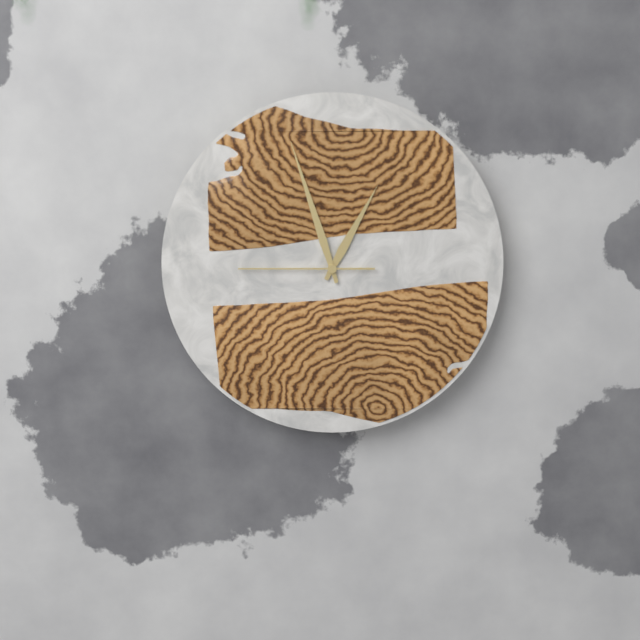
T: **12:57:45**
